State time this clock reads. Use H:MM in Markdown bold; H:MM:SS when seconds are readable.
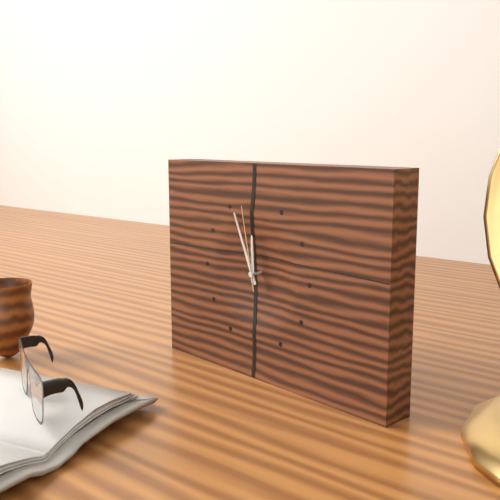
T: **11:56:58**
